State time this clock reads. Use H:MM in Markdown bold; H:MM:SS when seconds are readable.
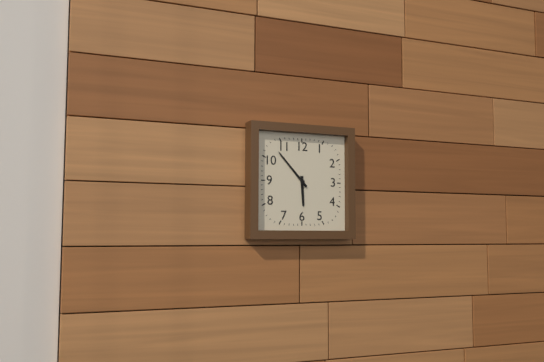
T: **5:53**
